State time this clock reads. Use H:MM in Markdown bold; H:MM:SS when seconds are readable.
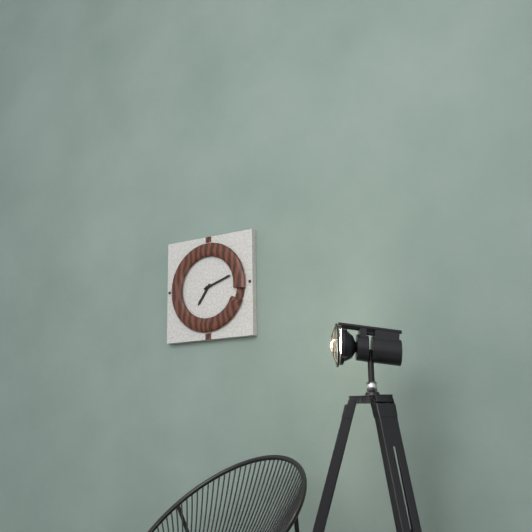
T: **7:12**
